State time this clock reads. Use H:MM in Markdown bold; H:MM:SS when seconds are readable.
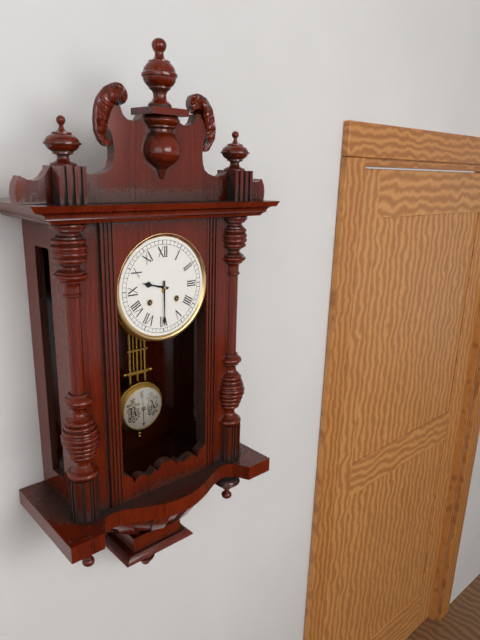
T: **9:30**
